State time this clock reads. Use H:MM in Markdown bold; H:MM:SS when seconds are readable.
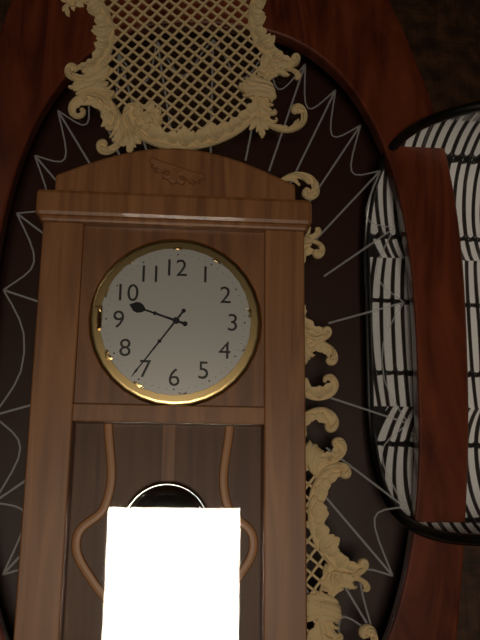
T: **9:36**
